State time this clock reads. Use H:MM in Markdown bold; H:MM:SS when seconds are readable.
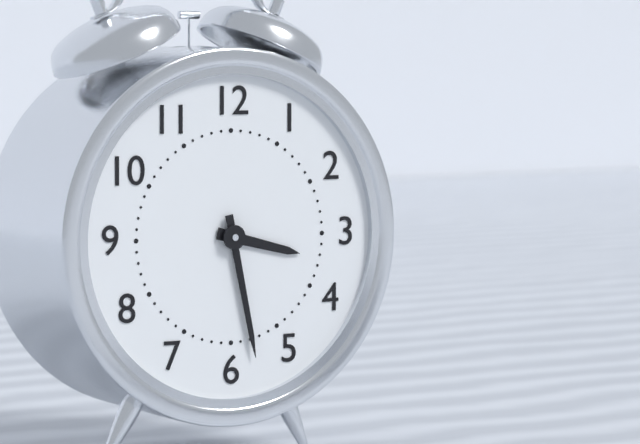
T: **3:28**
